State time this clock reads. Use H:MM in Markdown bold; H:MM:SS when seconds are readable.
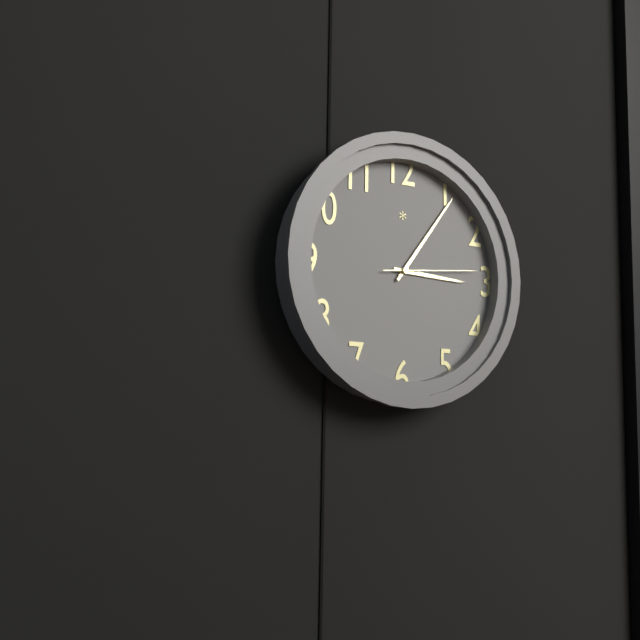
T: **3:06:14**
